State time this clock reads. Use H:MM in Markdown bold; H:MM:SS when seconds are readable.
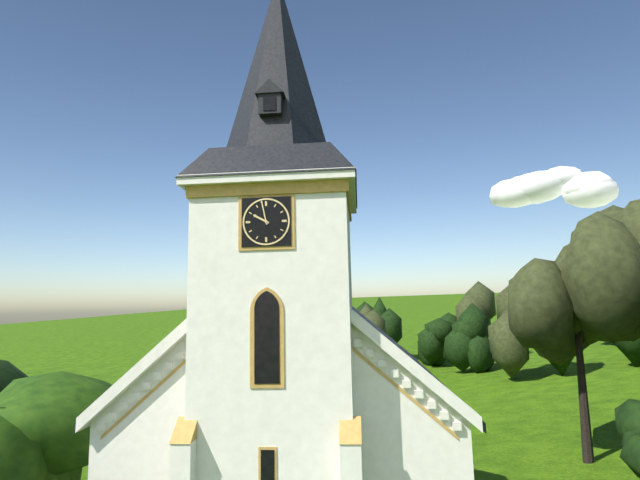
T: **9:58**
